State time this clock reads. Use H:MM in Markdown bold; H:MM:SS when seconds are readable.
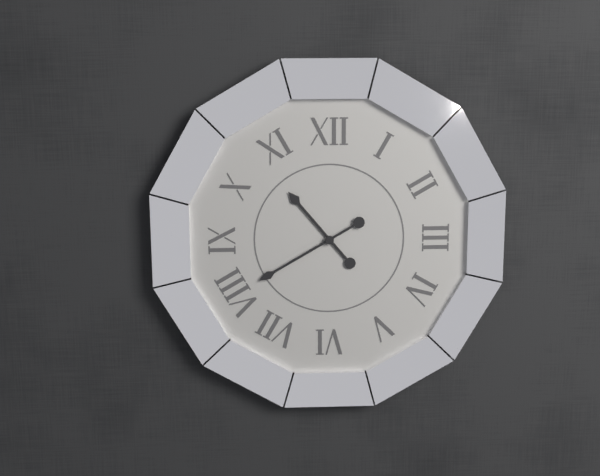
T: **10:40**
